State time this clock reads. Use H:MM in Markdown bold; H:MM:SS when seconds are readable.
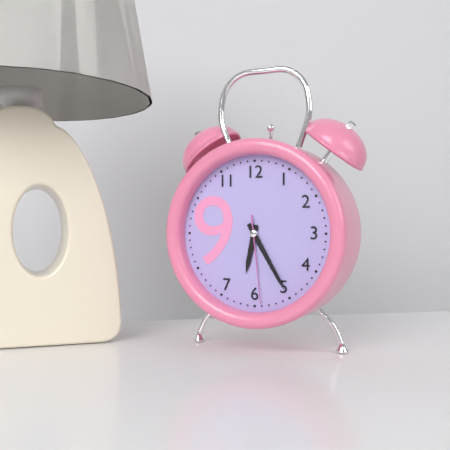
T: **6:25:29**
